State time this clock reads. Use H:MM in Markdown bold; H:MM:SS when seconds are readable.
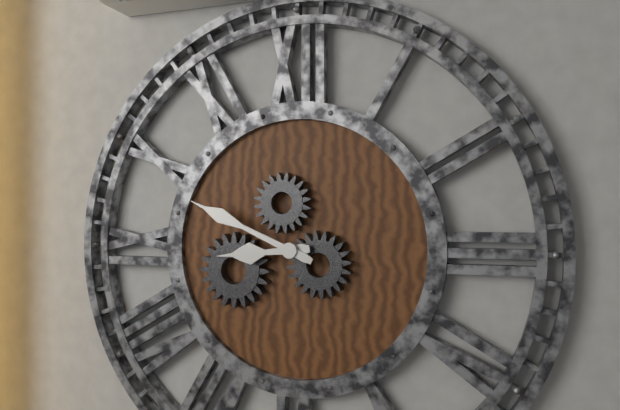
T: **8:49**
